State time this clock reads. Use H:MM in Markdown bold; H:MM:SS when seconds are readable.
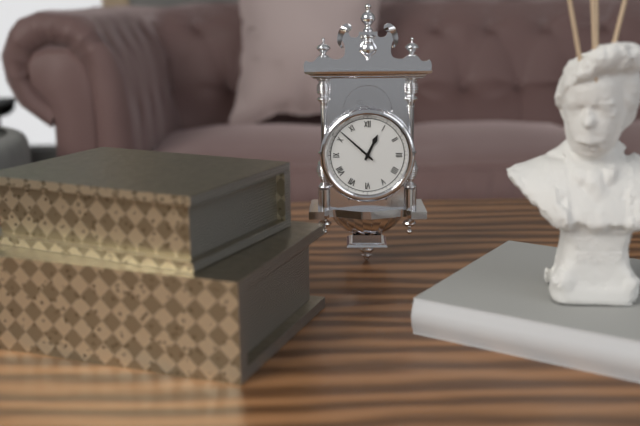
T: **12:52**
